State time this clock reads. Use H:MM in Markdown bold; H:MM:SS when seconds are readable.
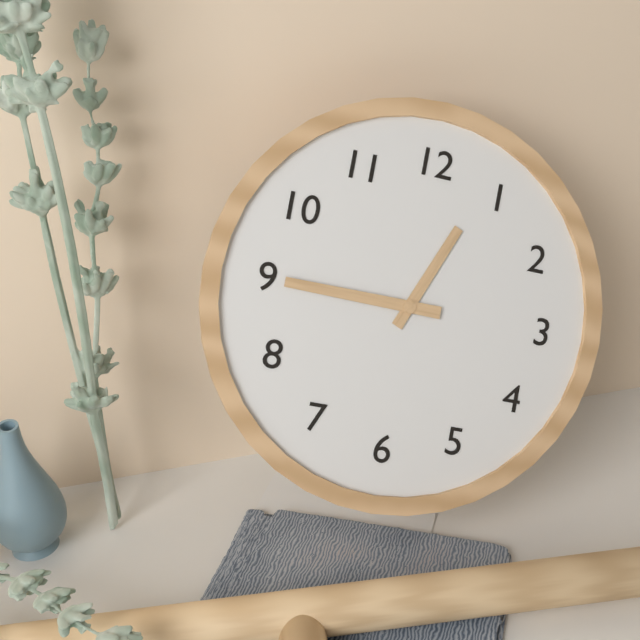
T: **12:45**
